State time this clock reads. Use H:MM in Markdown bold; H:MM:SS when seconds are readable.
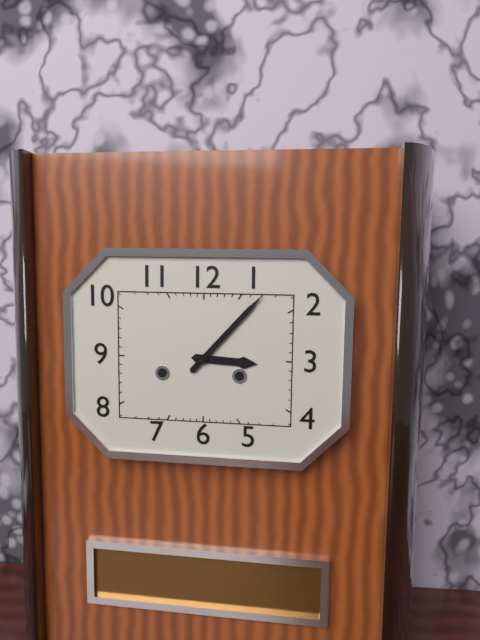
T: **3:07**
